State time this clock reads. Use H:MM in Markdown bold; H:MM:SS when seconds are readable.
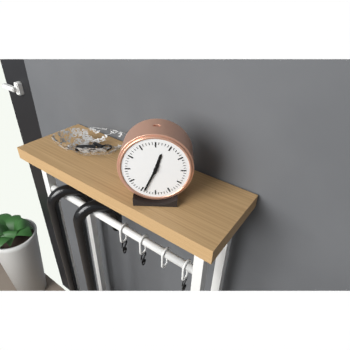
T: **12:34**
